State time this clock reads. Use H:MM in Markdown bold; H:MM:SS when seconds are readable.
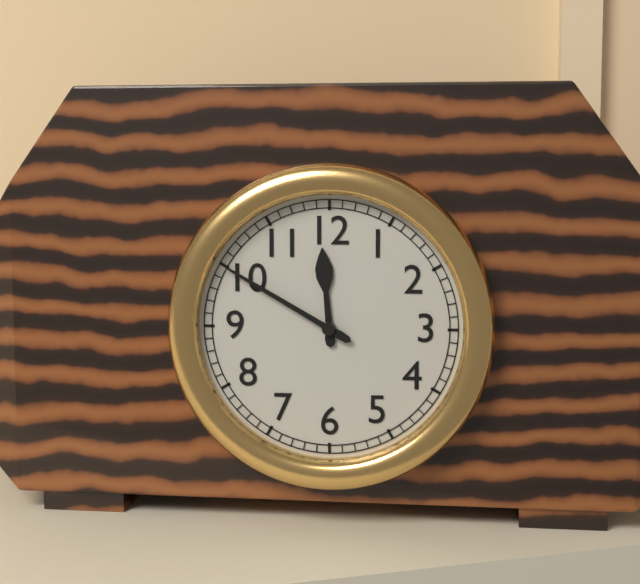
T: **11:50**
